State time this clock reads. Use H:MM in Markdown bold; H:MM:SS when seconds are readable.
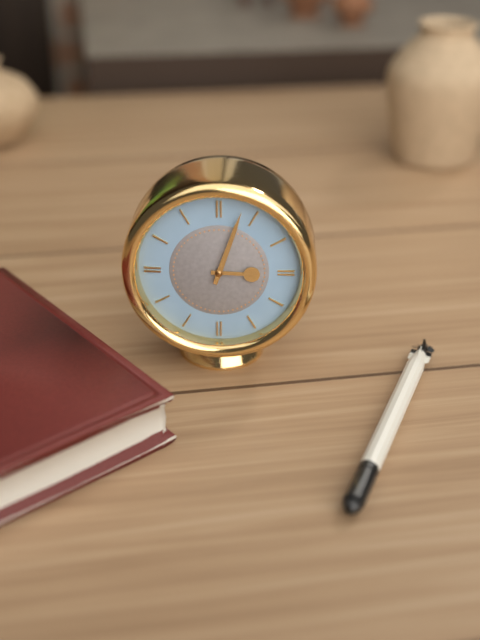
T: **3:03**
